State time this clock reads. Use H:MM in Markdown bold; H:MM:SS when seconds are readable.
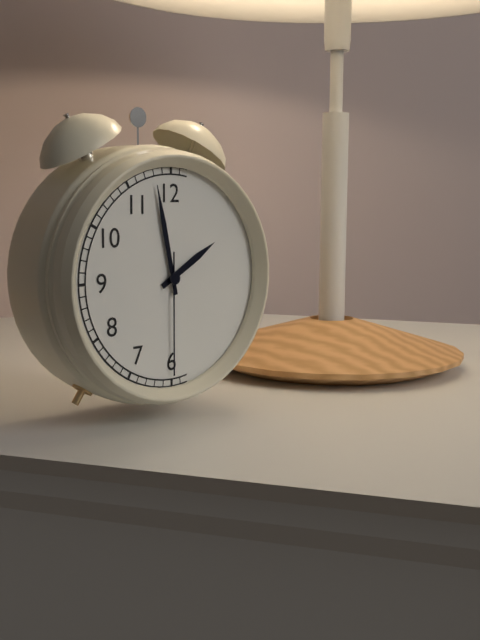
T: **1:58:30**
